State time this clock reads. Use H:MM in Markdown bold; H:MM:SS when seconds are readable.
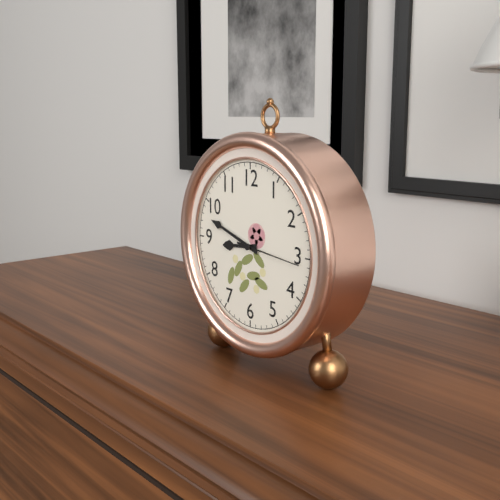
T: **8:48:16**
